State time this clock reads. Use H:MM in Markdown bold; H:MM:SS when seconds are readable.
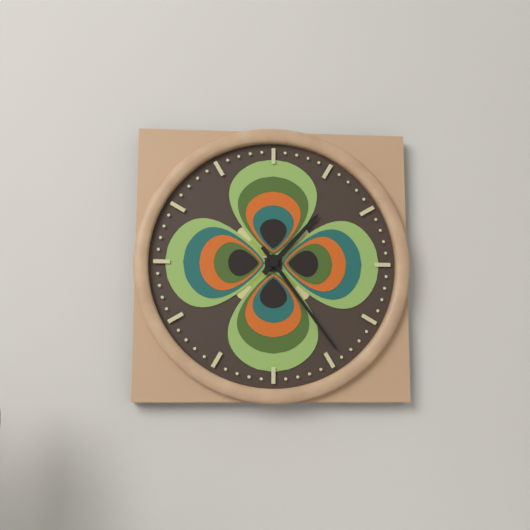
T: **1:24**
